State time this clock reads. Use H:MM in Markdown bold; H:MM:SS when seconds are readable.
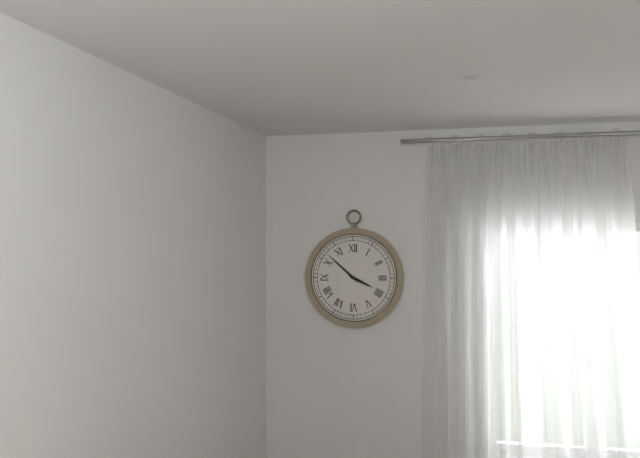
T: **3:52**
